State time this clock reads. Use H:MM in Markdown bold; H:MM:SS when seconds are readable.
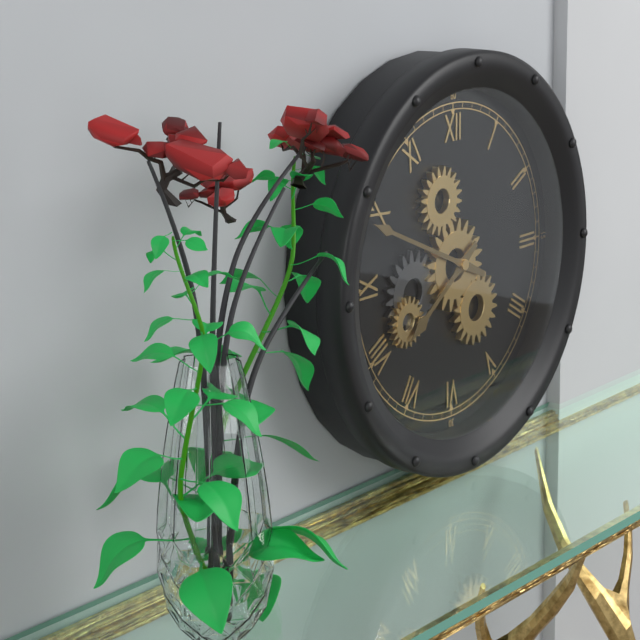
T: **7:49**
